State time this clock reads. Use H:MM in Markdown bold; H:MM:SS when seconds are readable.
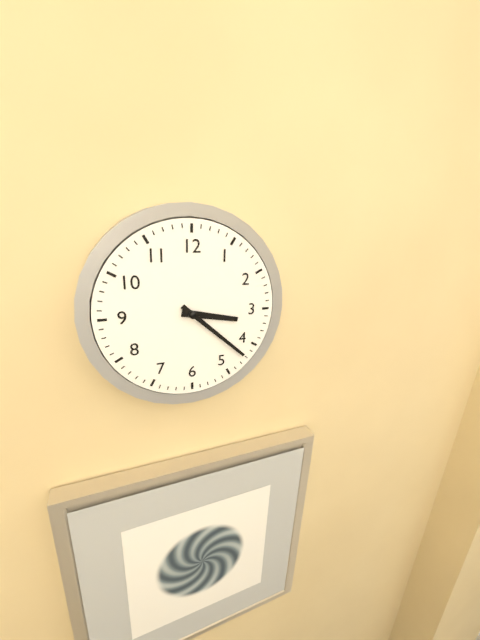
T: **3:22**
